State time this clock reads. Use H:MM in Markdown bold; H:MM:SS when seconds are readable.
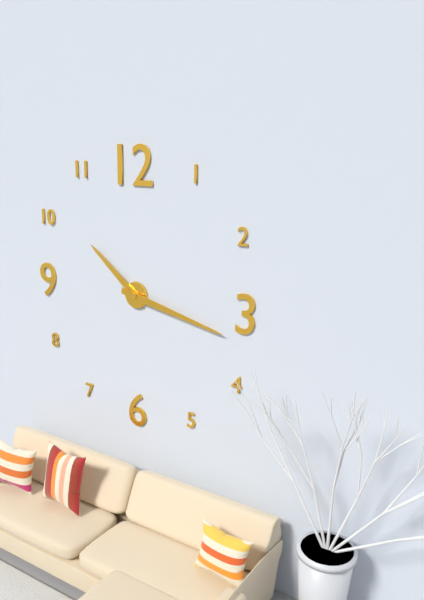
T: **10:17**
